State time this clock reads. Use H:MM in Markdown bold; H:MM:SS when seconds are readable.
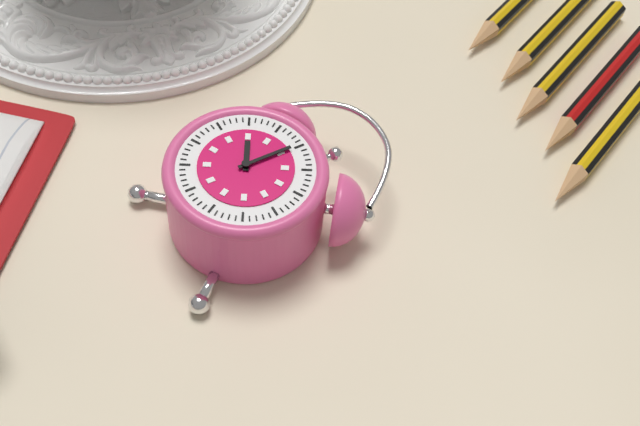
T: **10:00**
